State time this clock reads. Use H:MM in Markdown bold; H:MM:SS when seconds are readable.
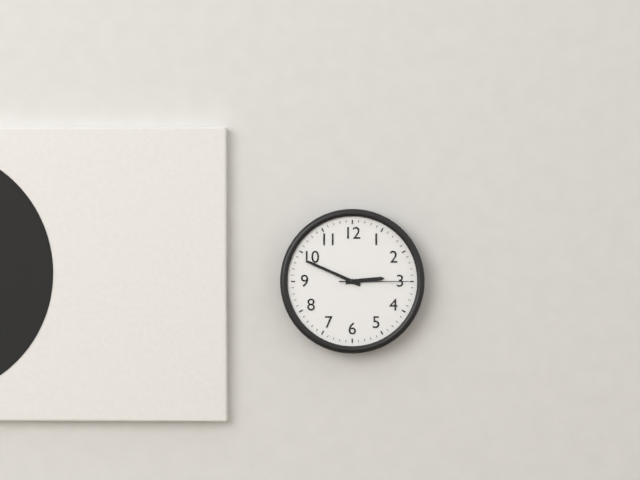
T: **2:49:15**
